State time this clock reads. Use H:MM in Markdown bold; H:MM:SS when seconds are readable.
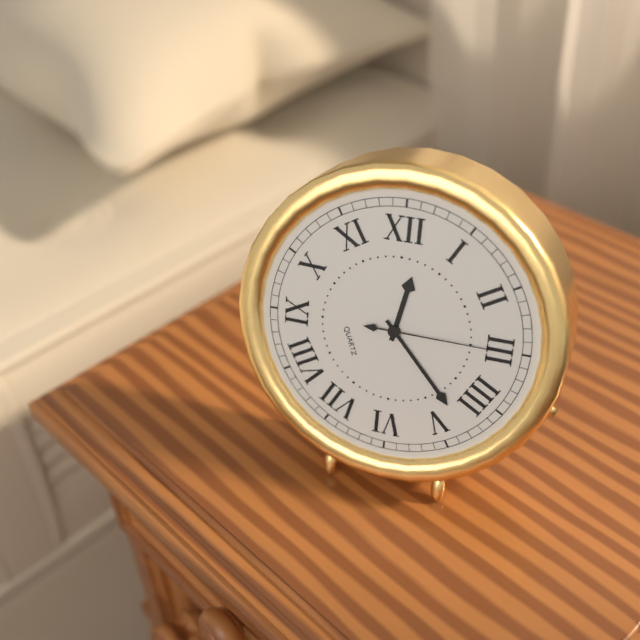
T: **12:23:15**
